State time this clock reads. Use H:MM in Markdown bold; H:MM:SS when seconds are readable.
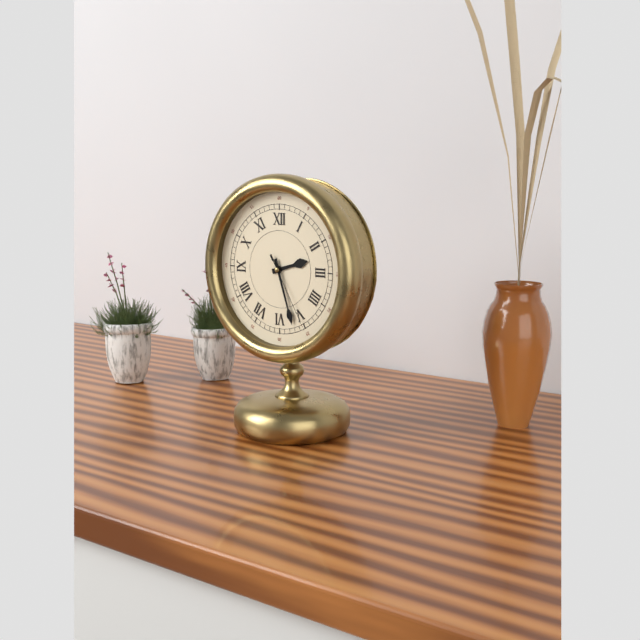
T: **2:27:25**
